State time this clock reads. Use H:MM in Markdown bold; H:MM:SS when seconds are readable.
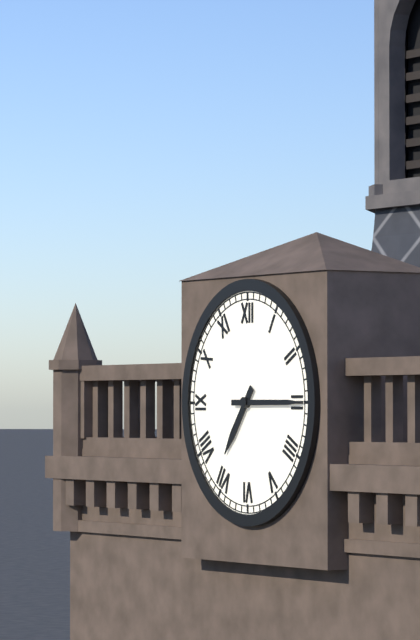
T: **7:15**
